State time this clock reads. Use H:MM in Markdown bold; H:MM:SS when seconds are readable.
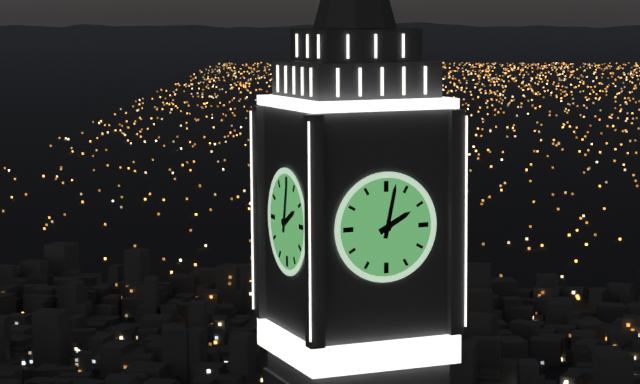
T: **2:02**
